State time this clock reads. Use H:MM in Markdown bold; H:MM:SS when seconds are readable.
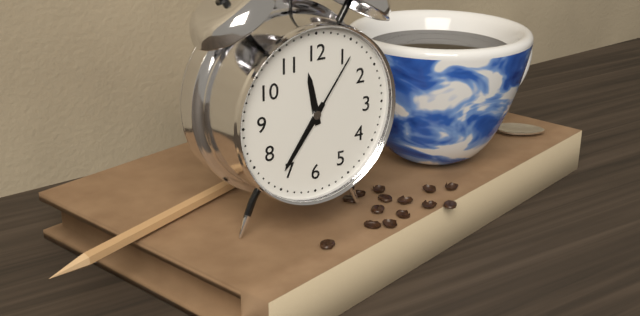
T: **11:36:06**
